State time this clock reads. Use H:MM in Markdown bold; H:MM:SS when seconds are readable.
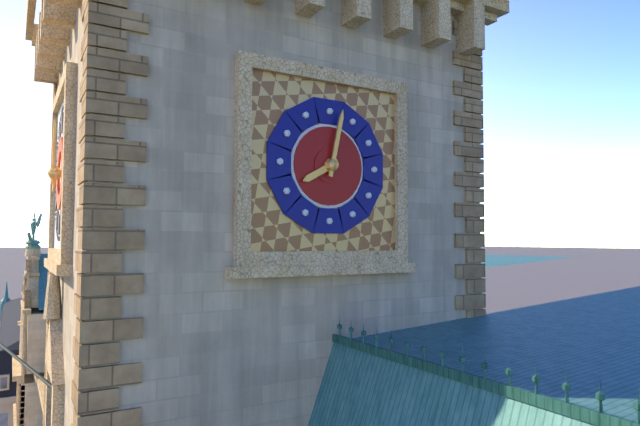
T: **8:02**
